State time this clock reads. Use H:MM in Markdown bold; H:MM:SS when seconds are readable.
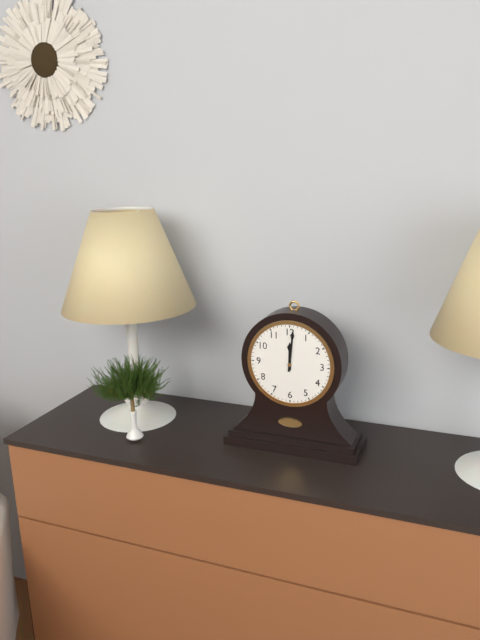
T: **12:01**
